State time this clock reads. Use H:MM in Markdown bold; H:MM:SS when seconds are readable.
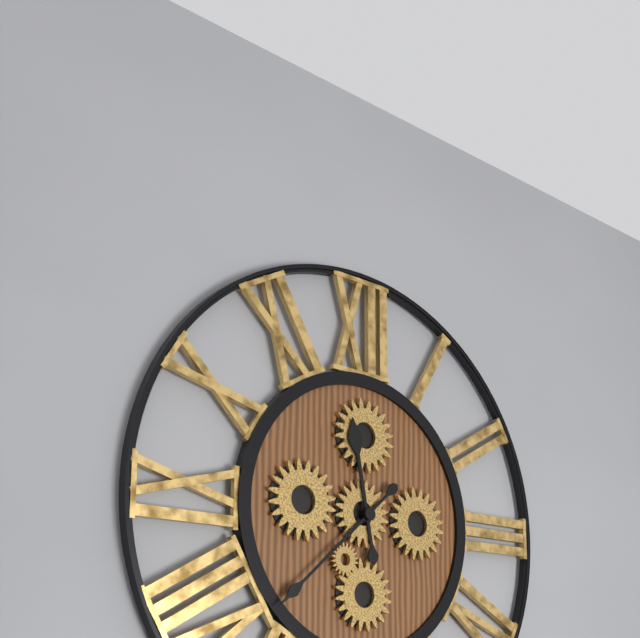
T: **11:38**
